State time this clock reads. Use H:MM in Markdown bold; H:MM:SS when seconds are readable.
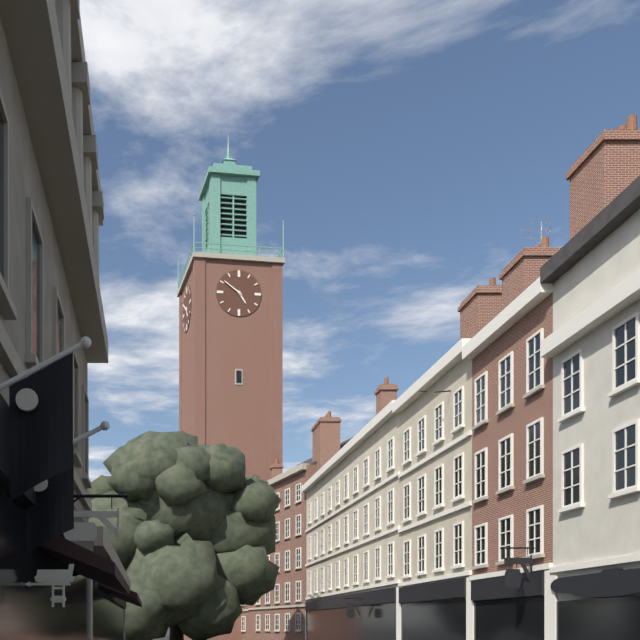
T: **4:51**
